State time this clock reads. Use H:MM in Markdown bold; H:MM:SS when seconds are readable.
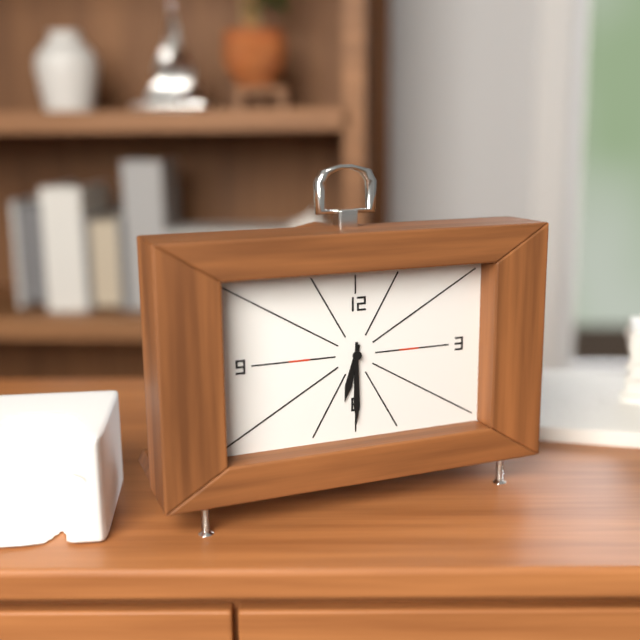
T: **6:30**
